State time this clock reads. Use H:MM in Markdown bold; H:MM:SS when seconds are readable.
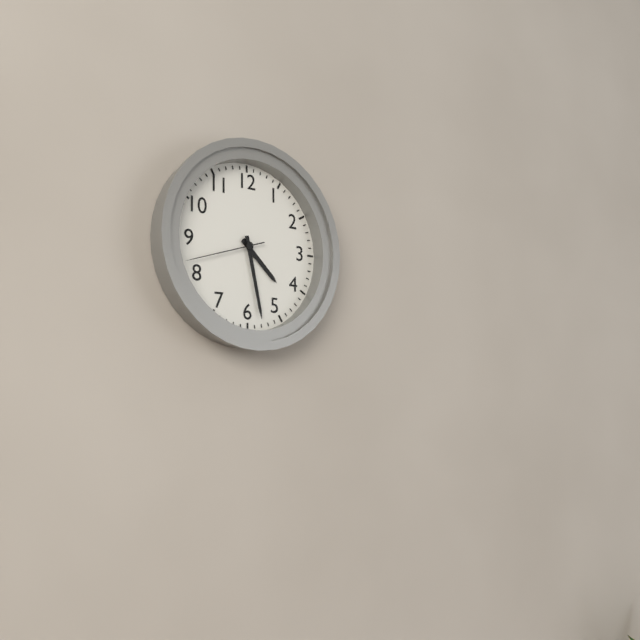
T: **4:28:42**
